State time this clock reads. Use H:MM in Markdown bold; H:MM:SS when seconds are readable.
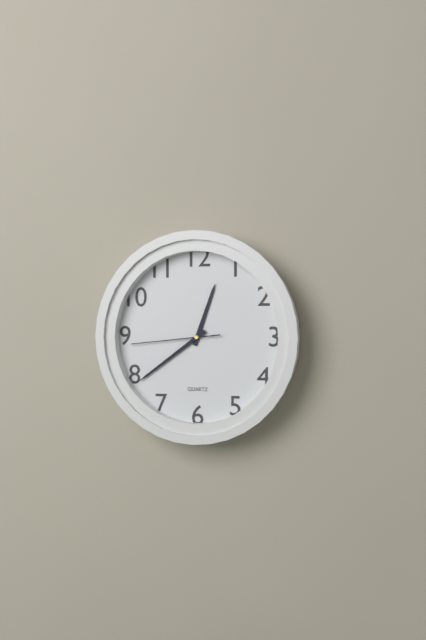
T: **12:39:44**
